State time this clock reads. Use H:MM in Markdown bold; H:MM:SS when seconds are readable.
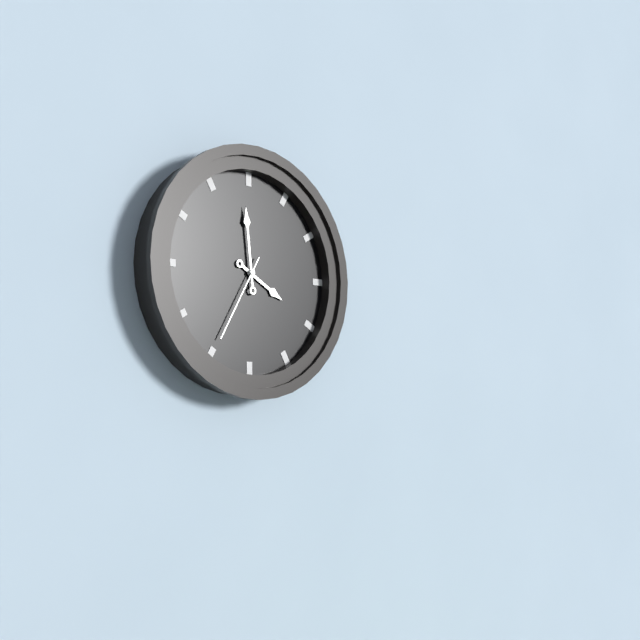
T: **3:59:35**
